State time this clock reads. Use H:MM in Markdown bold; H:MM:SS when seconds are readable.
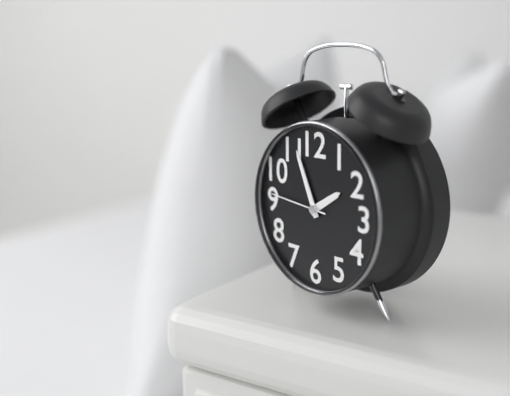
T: **1:56:46**
